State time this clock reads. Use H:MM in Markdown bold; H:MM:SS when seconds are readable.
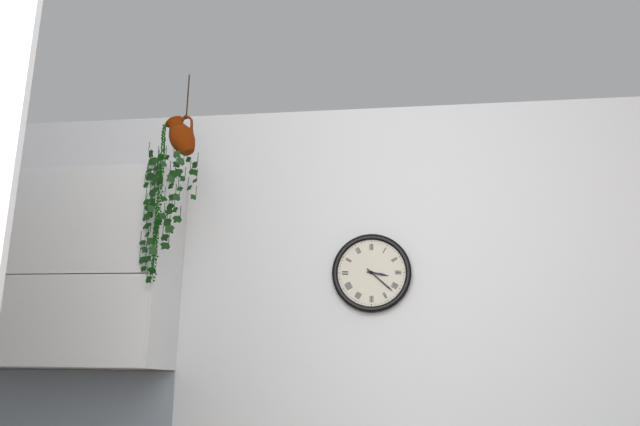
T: **3:22**
